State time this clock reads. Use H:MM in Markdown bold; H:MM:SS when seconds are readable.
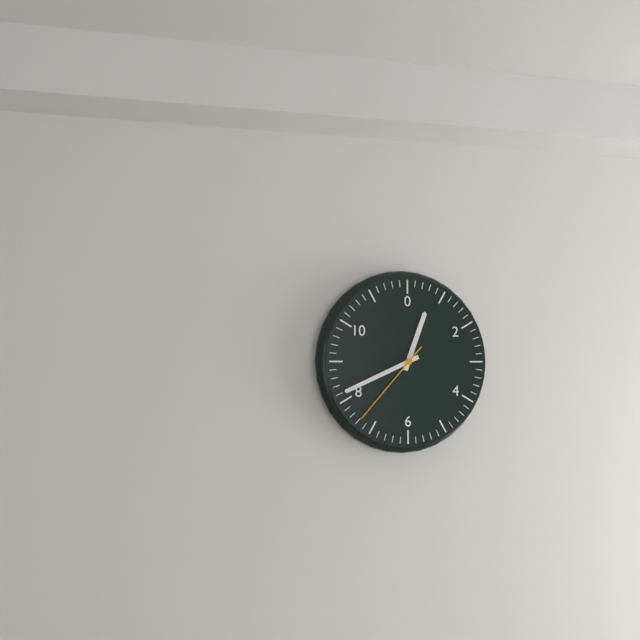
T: **12:41:37**
